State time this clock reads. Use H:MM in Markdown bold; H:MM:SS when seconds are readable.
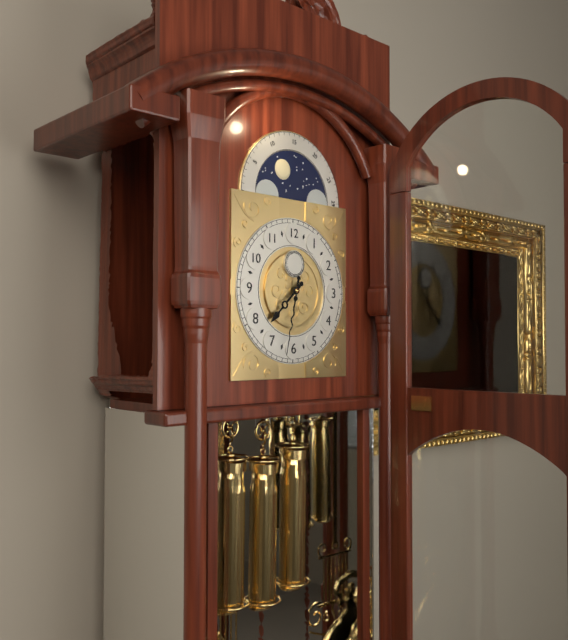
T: **7:32**
